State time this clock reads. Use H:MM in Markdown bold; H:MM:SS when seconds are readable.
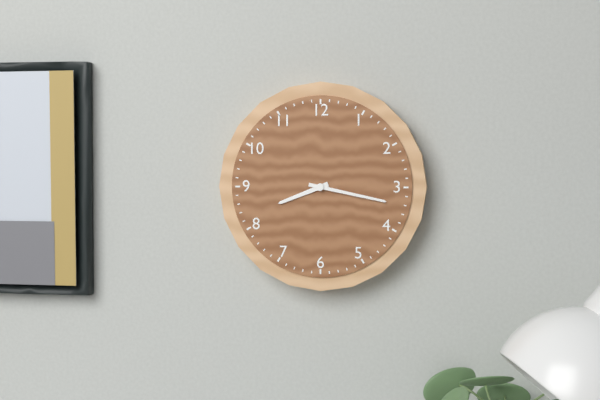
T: **8:17**
